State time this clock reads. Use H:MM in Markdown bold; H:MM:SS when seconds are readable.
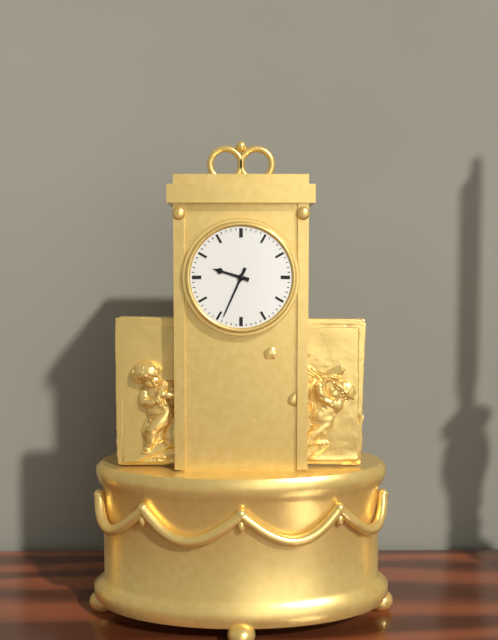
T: **9:34**
